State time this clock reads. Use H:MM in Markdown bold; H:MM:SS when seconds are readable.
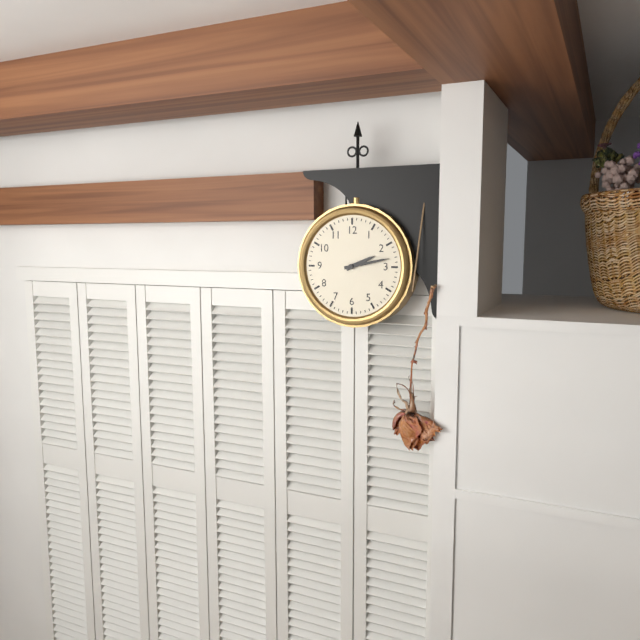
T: **2:13**
